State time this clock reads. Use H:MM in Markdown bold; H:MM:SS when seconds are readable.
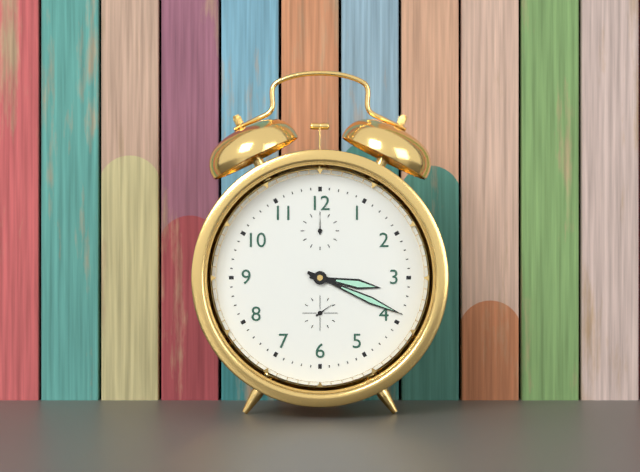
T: **3:19**
